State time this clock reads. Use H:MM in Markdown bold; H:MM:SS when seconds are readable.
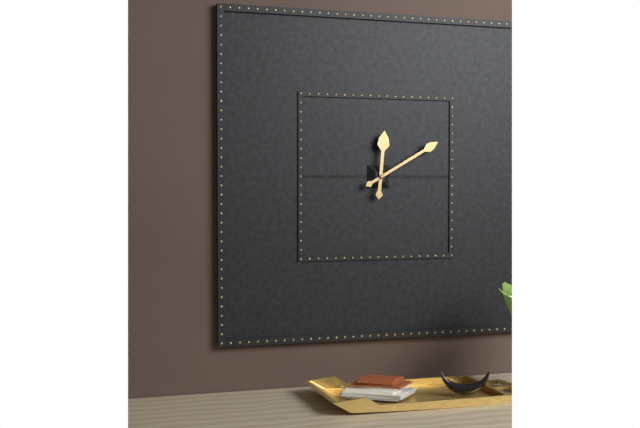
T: **12:10**
